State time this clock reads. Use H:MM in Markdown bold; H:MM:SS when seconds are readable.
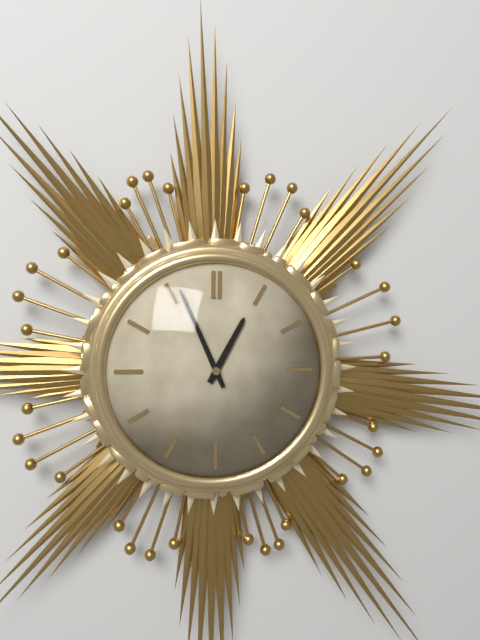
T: **12:56**
